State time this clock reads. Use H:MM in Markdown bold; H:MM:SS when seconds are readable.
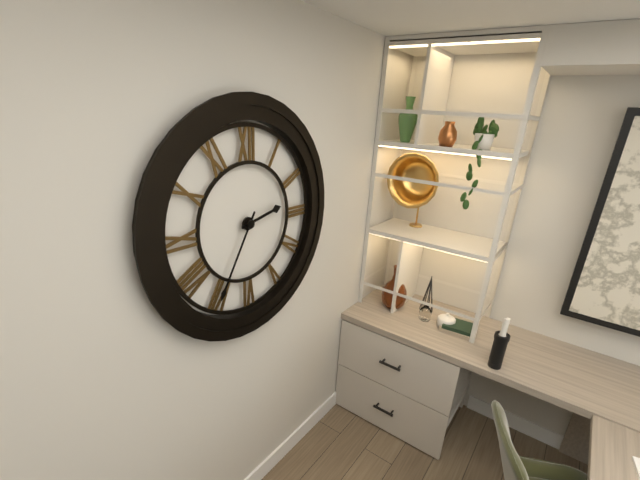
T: **2:35**
